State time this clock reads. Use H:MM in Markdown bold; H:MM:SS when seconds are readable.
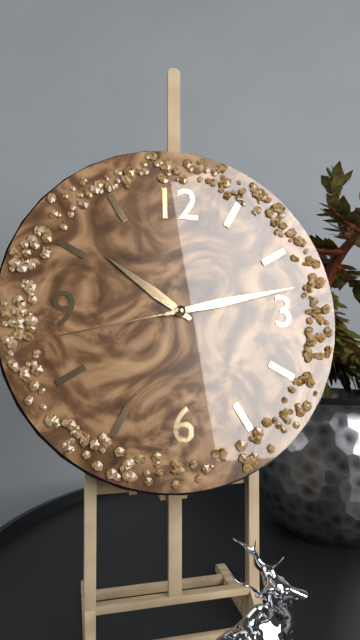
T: **10:13:43**
